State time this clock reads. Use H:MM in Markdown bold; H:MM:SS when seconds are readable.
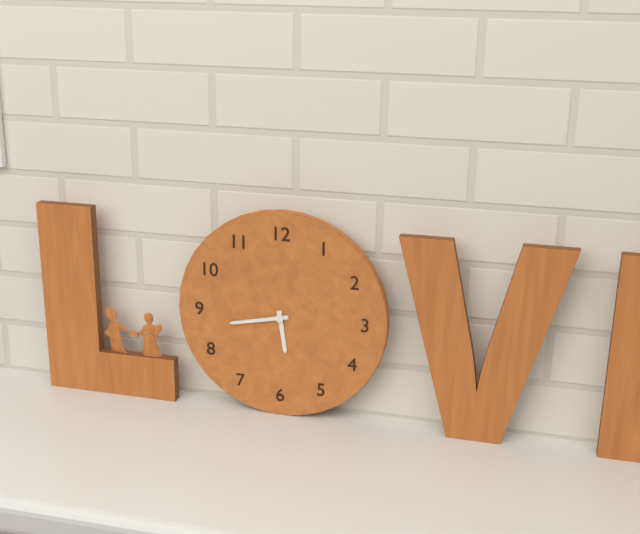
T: **5:43**
